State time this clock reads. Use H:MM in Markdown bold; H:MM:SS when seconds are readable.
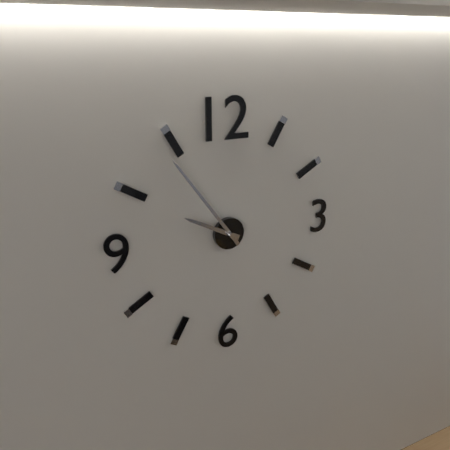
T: **9:54**
